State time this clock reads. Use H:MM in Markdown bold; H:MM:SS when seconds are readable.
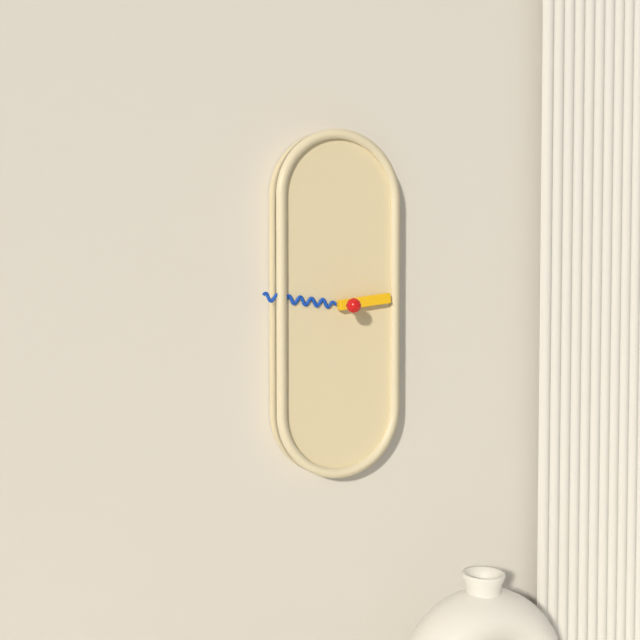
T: **2:46**
